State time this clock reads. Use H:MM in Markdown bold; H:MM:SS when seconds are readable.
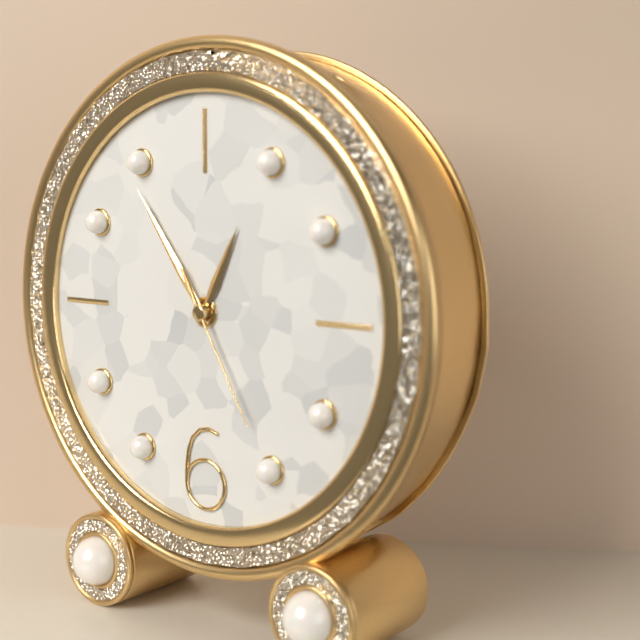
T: **12:54:25**
